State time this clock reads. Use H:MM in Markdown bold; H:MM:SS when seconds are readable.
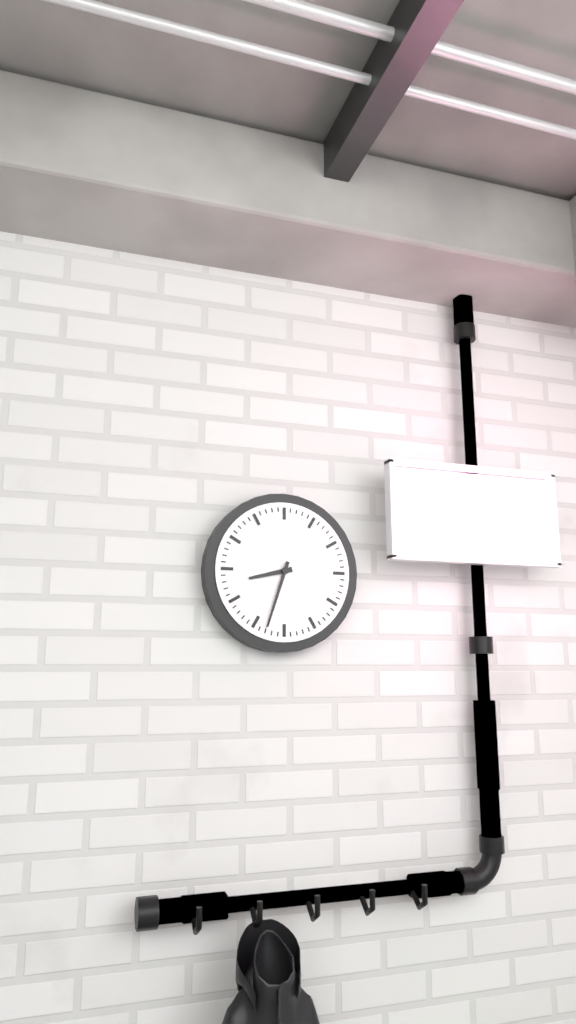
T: **8:33**
